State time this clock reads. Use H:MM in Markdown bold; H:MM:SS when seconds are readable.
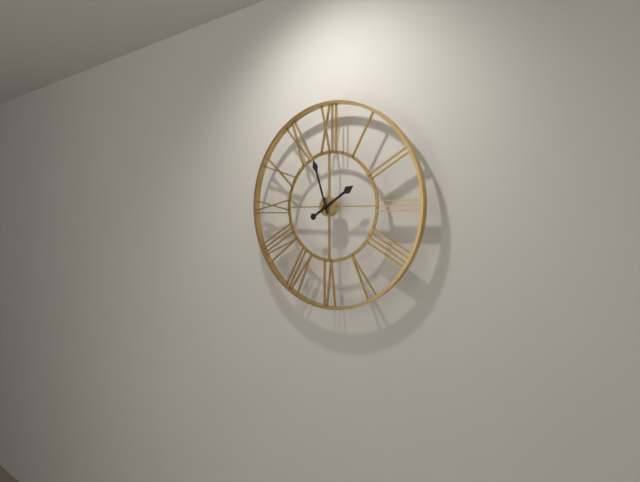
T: **1:57**
